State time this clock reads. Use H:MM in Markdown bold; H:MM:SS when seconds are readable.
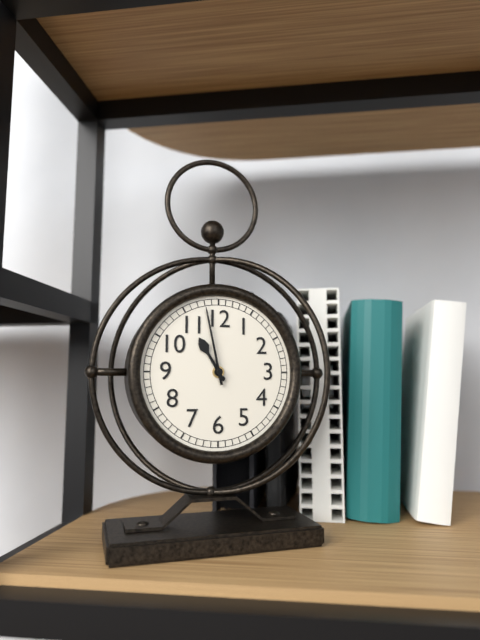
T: **10:58**
